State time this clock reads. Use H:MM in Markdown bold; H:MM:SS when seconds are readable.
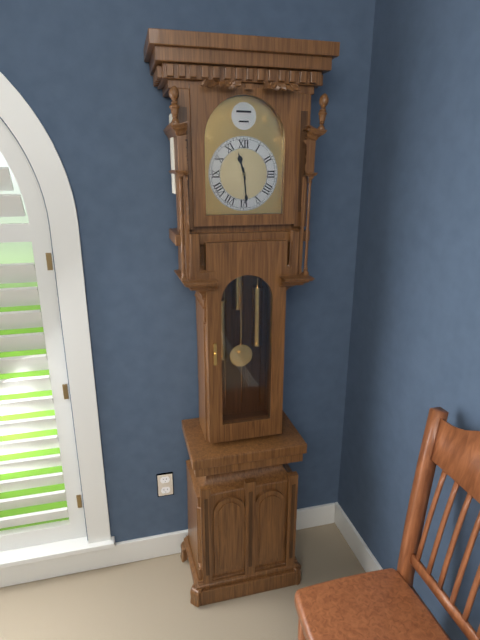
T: **11:29**
